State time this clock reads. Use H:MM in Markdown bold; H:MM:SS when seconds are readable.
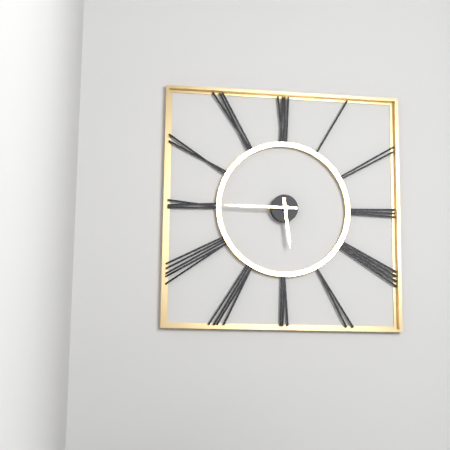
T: **5:45**
